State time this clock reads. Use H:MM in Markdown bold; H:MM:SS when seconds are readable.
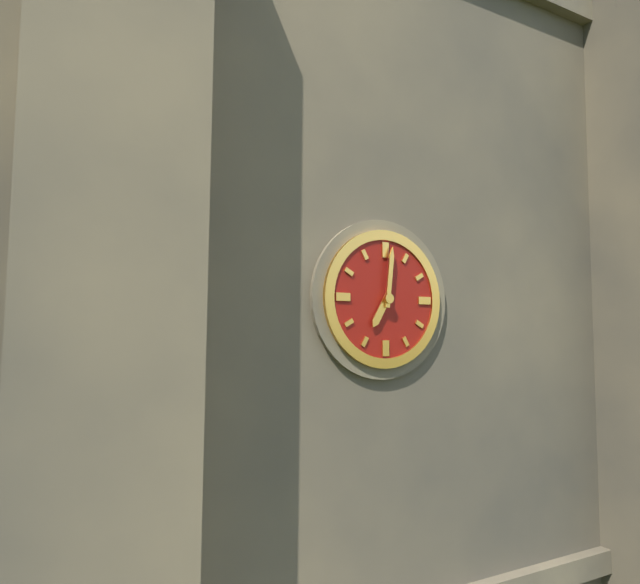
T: **7:01**
